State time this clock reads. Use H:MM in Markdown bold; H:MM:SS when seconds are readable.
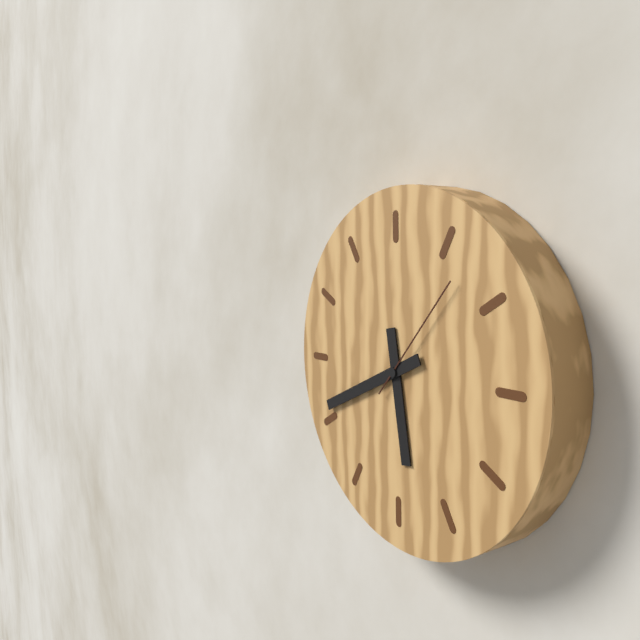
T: **5:41:07**
